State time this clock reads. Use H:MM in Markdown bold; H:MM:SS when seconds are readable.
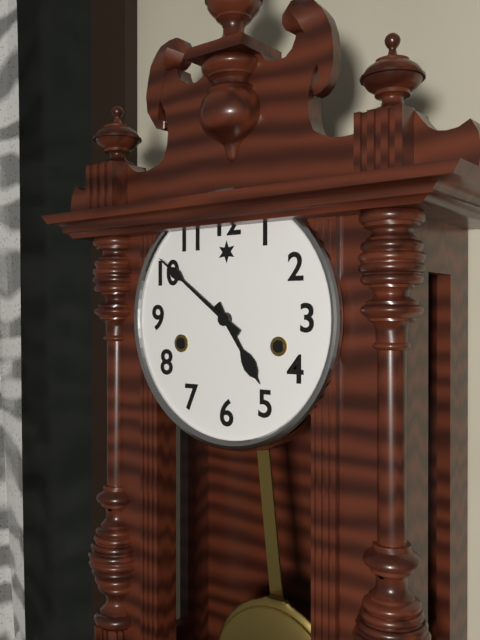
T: **4:51**
